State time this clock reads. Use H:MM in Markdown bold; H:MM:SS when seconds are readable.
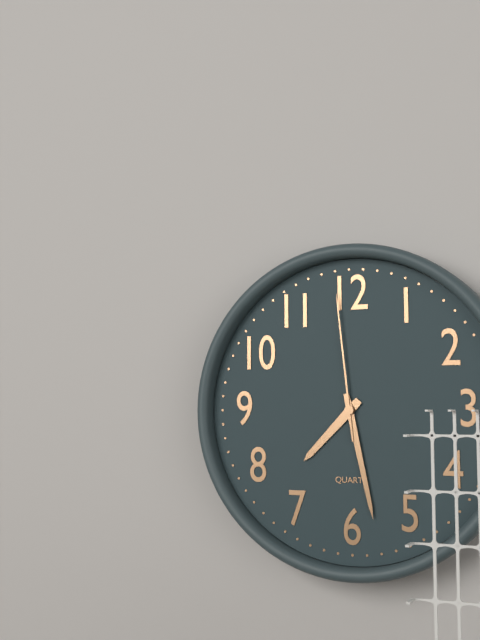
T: **7:28:59**
